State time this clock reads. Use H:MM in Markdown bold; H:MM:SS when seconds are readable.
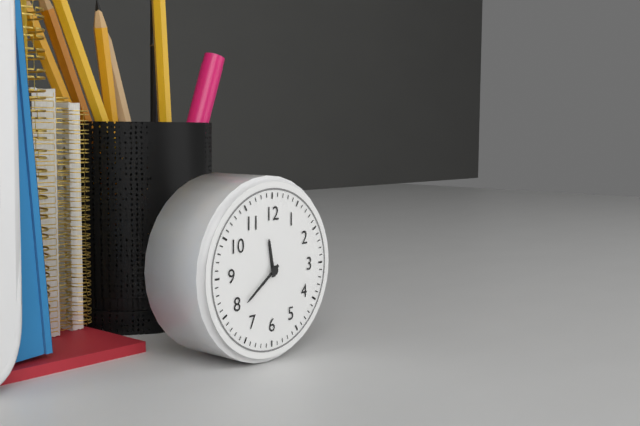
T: **11:39**
